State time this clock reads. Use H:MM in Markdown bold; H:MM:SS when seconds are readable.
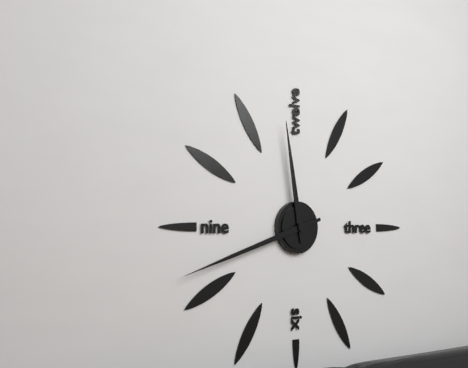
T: **11:42**
